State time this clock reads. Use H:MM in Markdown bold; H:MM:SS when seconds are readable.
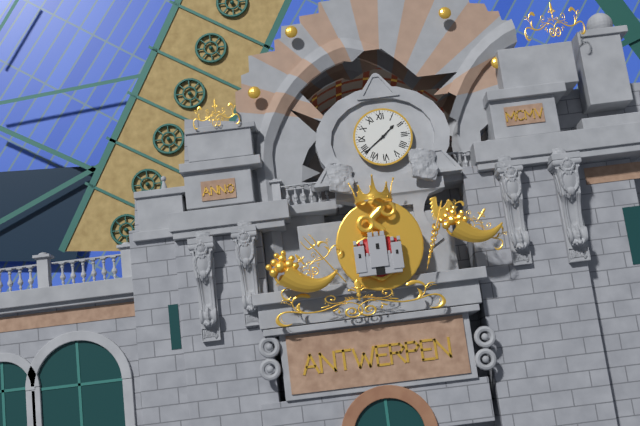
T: **1:39**
